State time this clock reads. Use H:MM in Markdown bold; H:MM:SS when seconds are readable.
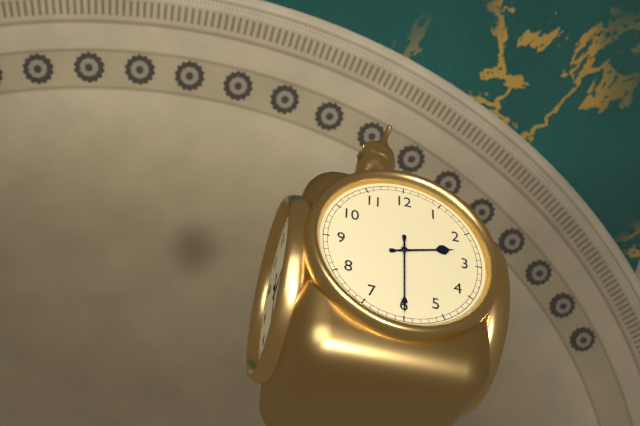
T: **2:30**
